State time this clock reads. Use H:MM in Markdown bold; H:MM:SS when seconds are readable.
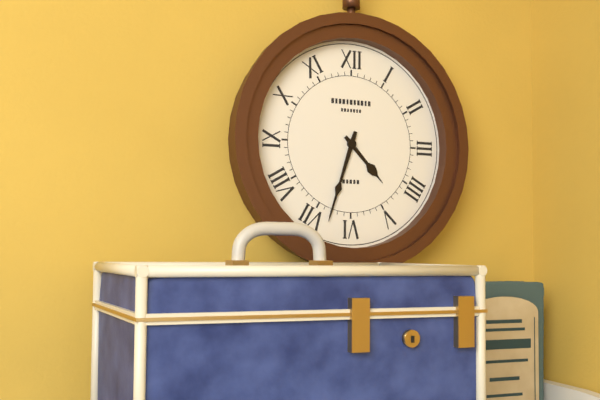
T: **4:33**
